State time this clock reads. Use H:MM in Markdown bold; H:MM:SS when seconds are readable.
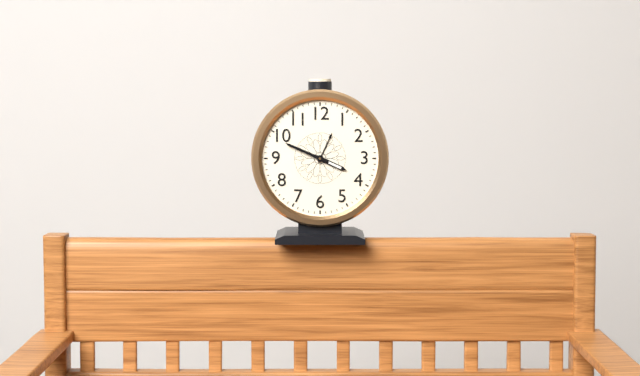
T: **3:49**
